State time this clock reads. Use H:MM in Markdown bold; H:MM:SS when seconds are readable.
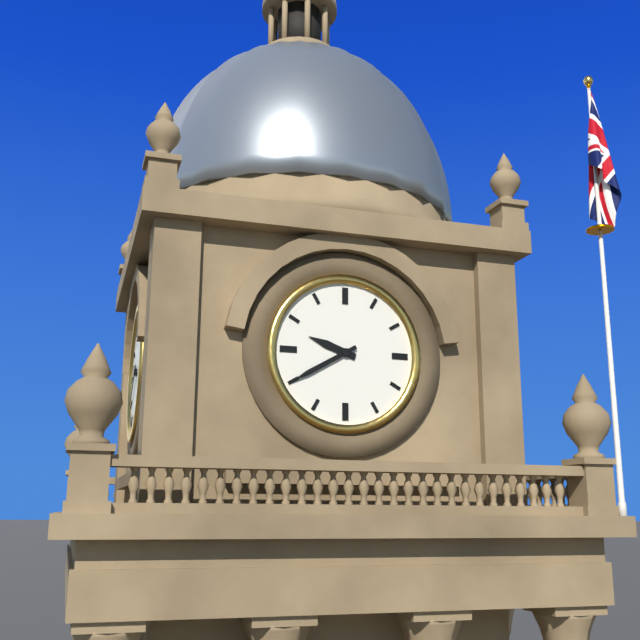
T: **9:40**
